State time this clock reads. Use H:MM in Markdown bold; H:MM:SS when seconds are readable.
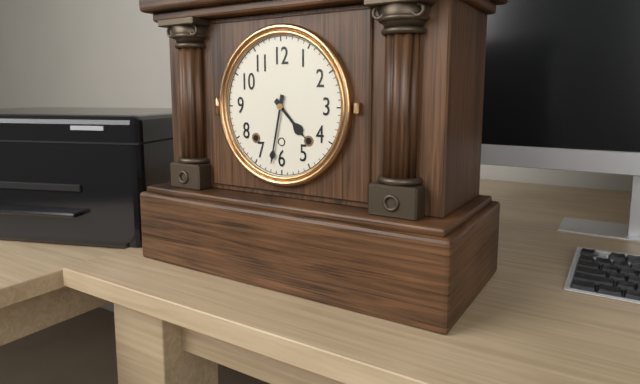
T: **4:32**
